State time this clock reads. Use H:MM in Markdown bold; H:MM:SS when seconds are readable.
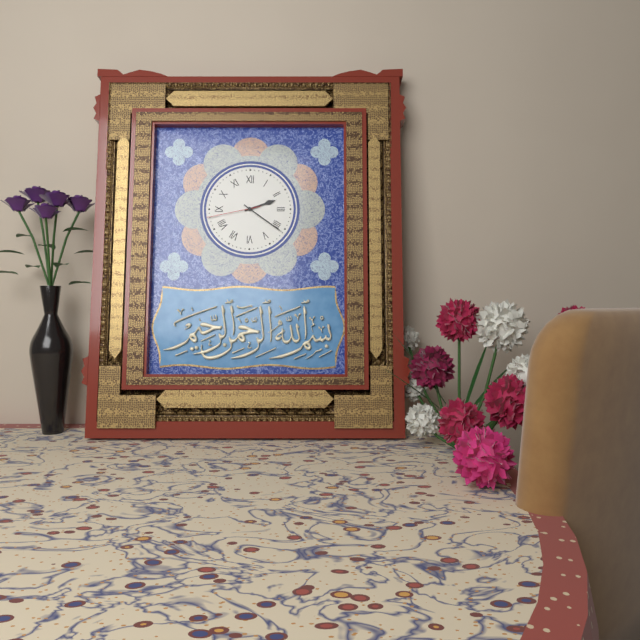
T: **2:21:43**
